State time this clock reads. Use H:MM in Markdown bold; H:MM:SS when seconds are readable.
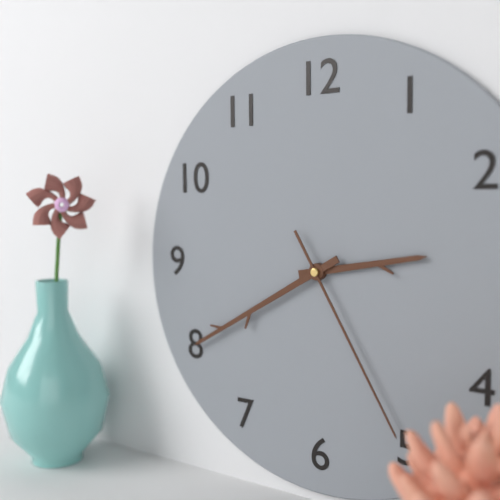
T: **2:40:25**
